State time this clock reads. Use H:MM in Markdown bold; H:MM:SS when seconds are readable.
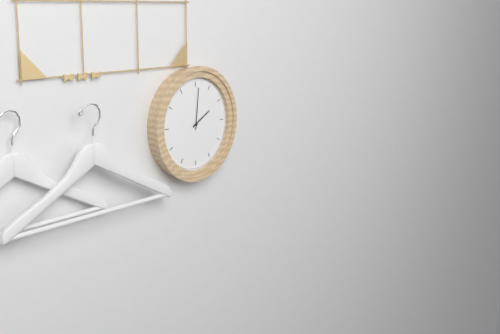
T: **2:01**
